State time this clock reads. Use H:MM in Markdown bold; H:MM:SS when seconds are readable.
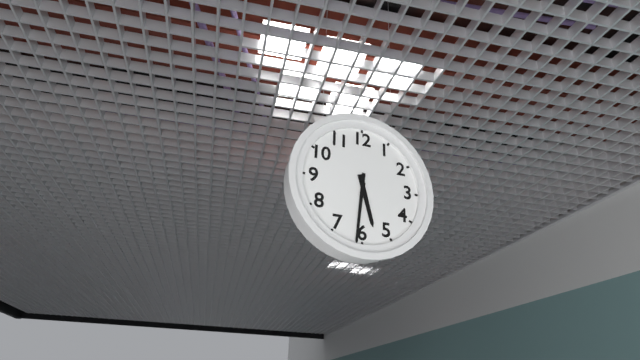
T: **5:31**
